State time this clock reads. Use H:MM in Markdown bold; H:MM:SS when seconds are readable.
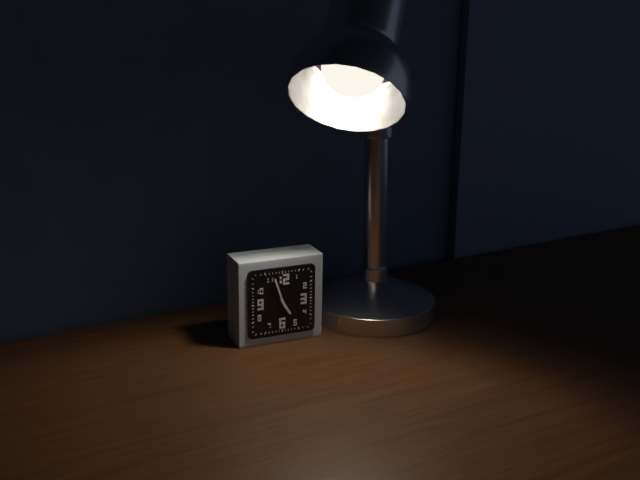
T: **4:57**
